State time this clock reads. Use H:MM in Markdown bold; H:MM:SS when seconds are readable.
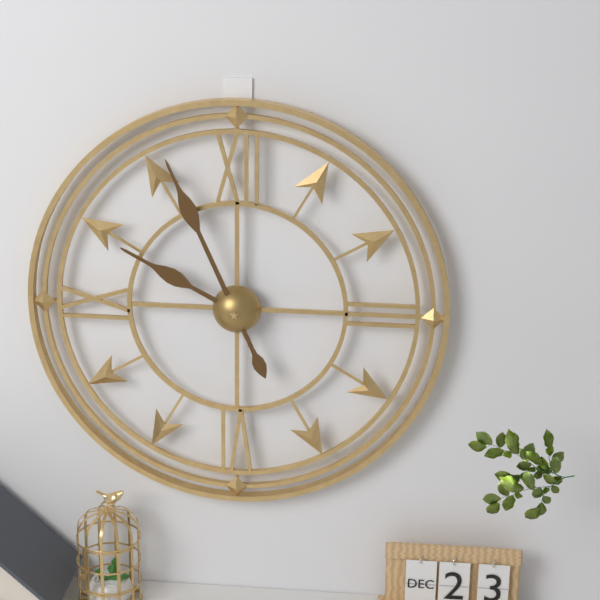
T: **9:56**
